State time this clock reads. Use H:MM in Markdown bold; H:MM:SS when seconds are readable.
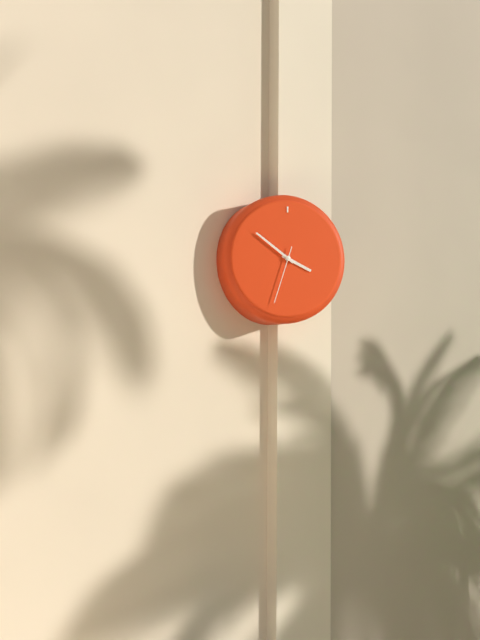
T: **3:51:33**
